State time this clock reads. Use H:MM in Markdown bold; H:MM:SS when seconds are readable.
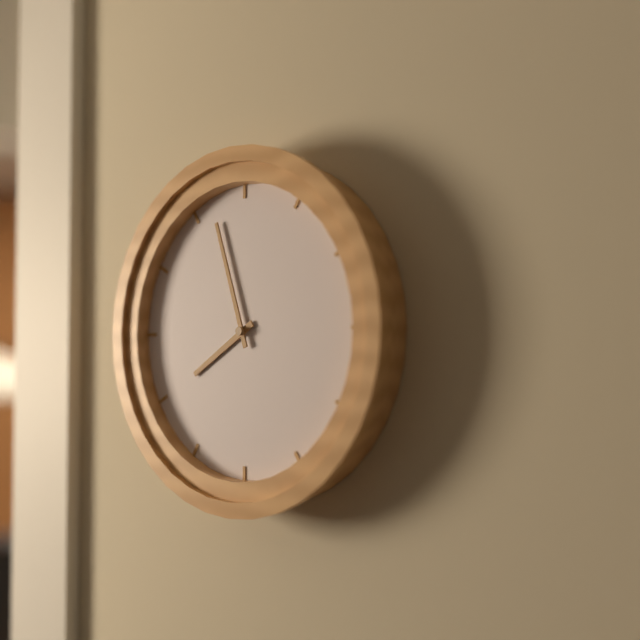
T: **7:57**
